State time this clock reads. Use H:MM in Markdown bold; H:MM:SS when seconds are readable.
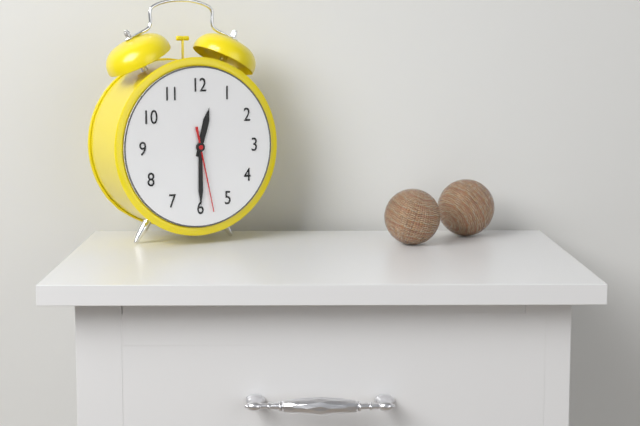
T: **12:30:28**
